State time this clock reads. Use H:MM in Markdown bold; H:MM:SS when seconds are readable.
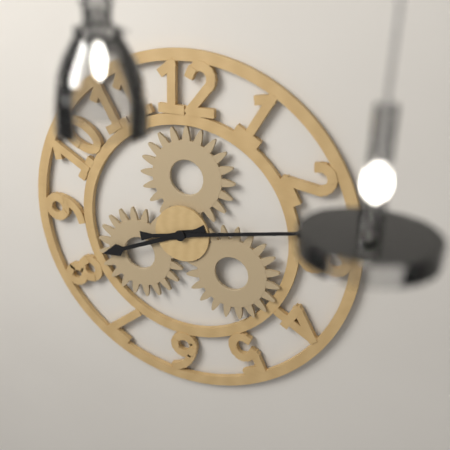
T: **8:13**
